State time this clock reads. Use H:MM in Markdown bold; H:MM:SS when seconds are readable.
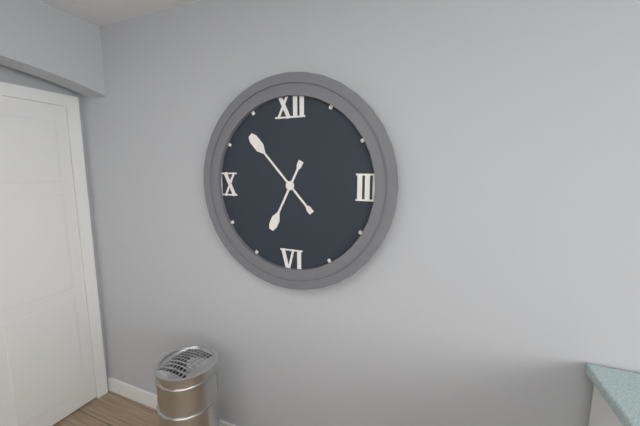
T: **6:53**
